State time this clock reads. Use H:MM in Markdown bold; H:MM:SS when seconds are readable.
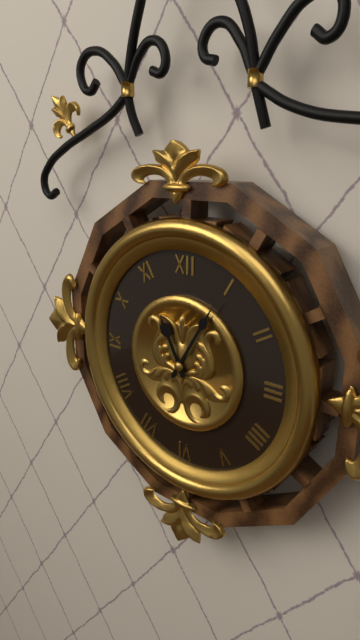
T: **11:05**
